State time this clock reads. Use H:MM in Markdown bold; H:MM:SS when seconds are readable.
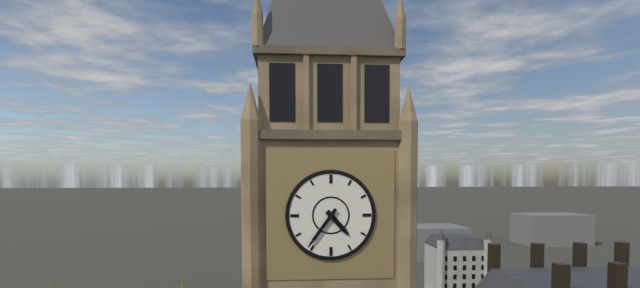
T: **4:36**
